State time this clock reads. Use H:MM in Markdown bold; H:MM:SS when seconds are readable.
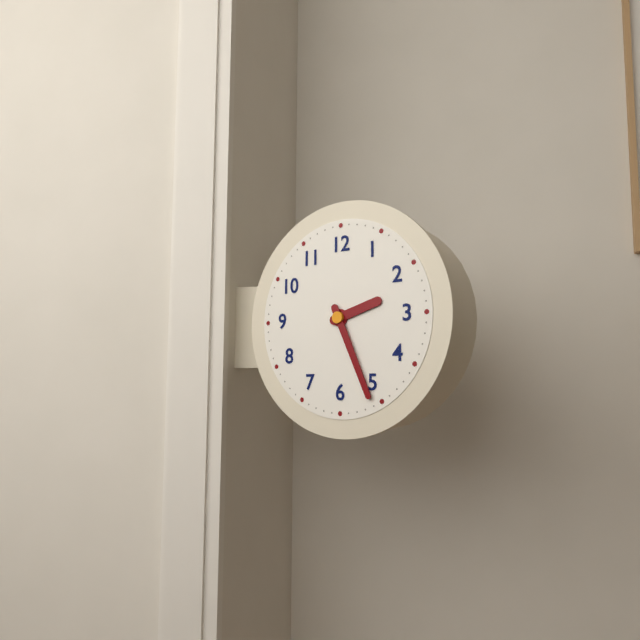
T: **2:26**
